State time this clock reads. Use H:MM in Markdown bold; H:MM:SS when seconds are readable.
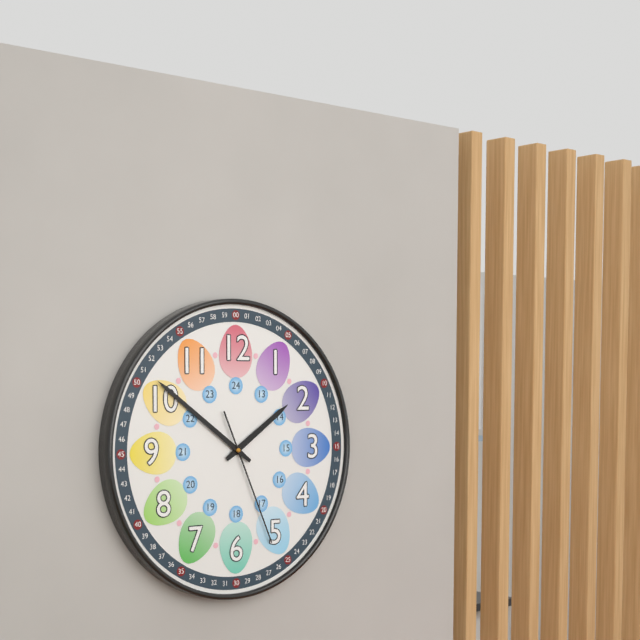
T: **1:51:26**
